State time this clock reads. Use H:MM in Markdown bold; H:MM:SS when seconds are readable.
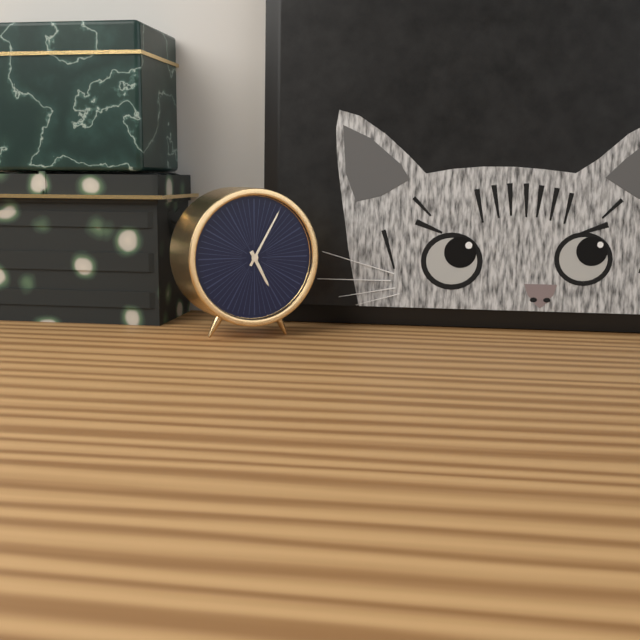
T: **5:05**
